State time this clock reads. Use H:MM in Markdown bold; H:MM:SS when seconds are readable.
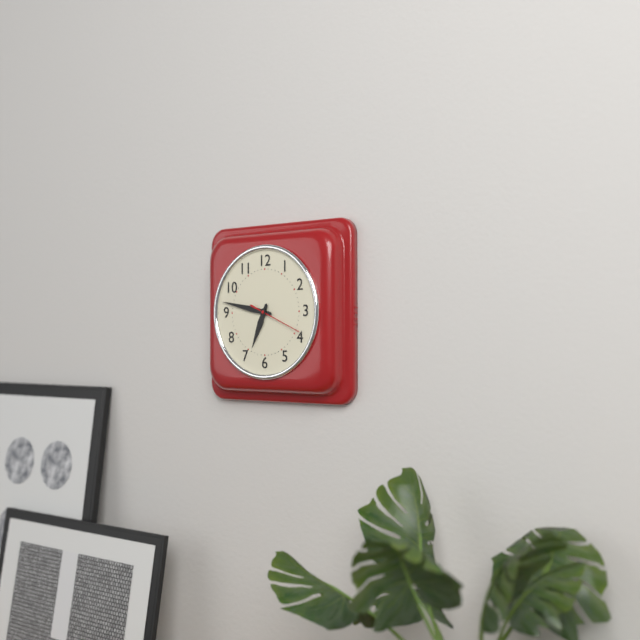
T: **6:47:19**
